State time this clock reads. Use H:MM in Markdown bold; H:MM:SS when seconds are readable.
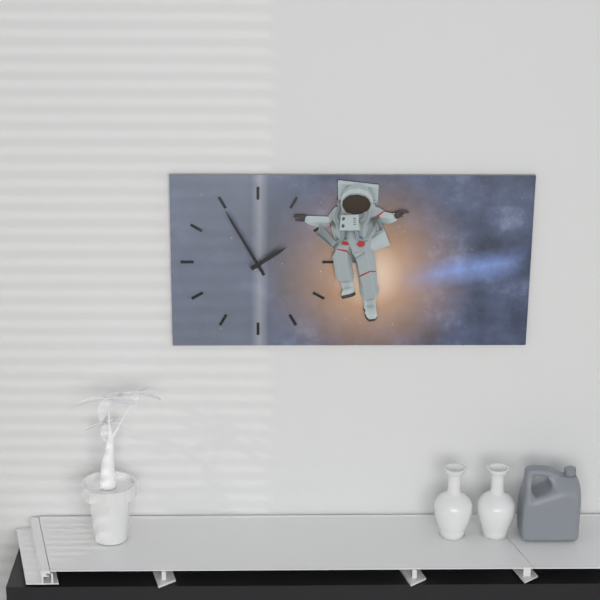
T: **1:55**
